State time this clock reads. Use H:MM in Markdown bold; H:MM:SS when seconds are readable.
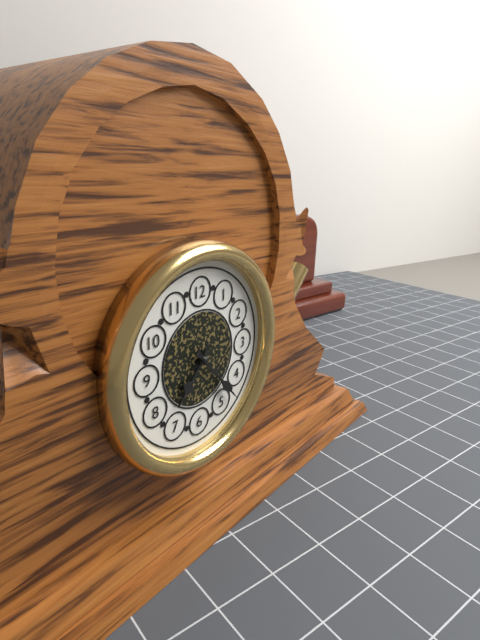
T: **7:23**
